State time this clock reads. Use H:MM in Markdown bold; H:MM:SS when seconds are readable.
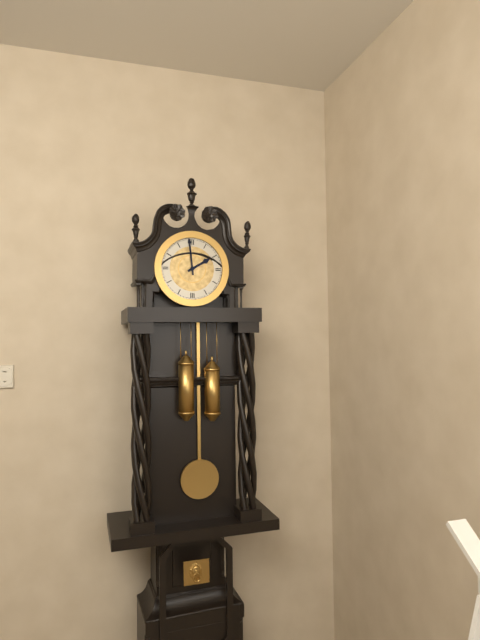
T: **1:59**
